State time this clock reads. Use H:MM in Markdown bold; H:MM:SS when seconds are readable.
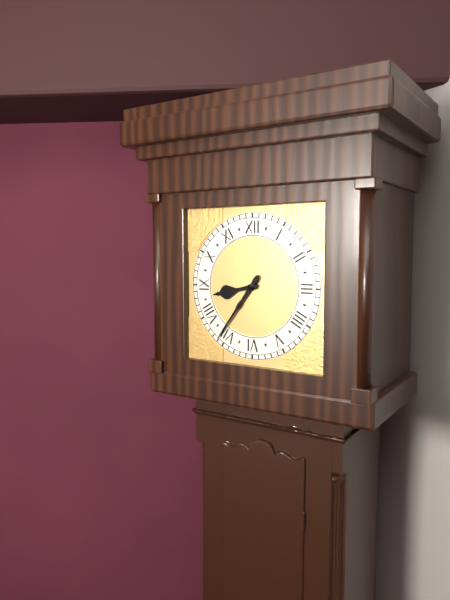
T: **8:36**
